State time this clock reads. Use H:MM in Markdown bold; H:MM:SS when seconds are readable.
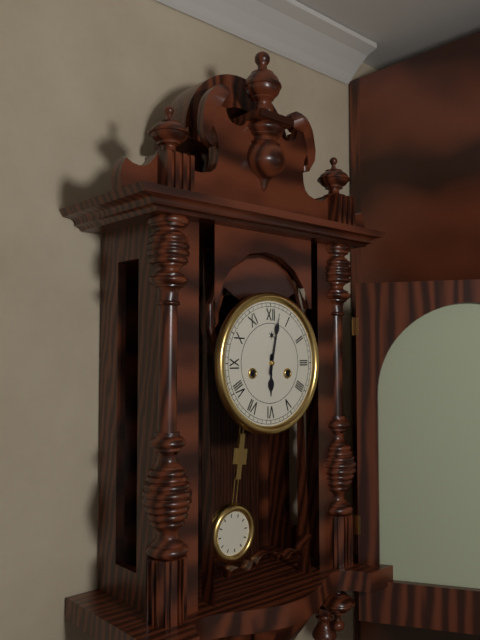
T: **6:02**
